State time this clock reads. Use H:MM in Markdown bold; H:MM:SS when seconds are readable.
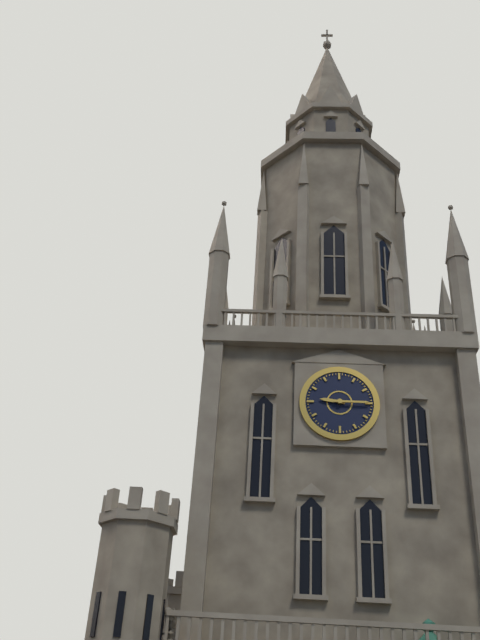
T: **9:15**
